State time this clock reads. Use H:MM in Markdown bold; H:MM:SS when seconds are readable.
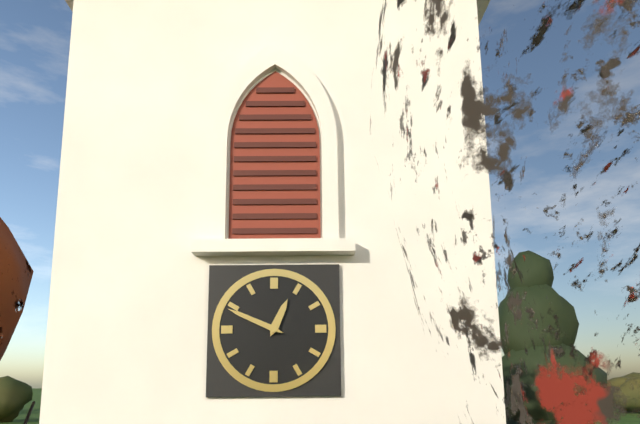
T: **12:49**
